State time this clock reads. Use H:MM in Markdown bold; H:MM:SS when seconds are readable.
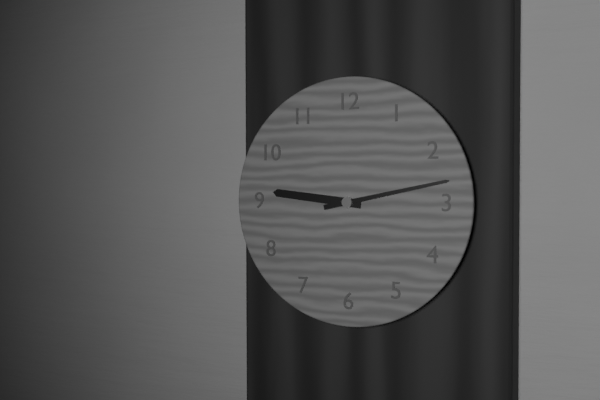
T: **9:13**
